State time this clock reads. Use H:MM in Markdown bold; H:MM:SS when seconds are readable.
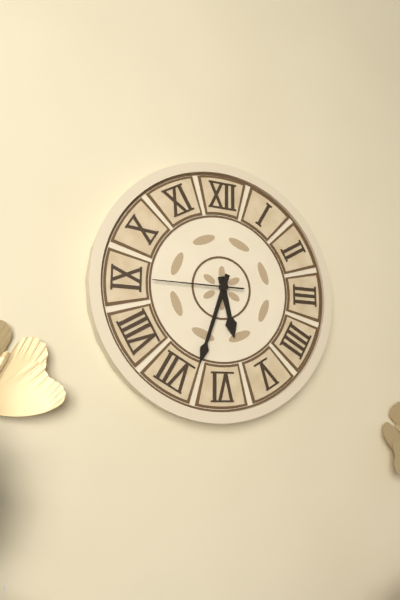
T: **5:33:45**
